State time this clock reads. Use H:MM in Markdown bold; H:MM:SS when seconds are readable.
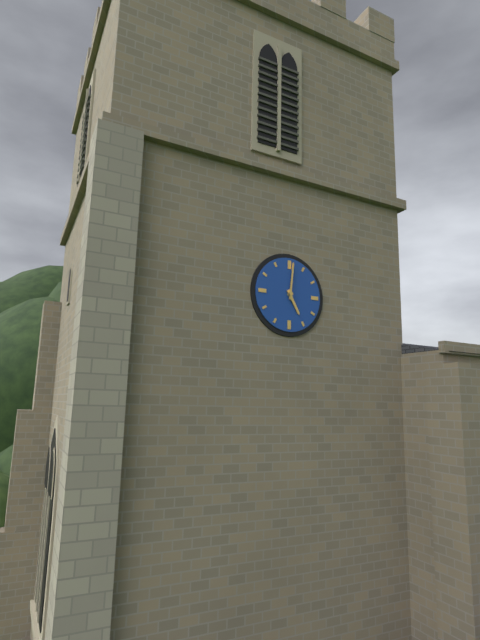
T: **5:01**
